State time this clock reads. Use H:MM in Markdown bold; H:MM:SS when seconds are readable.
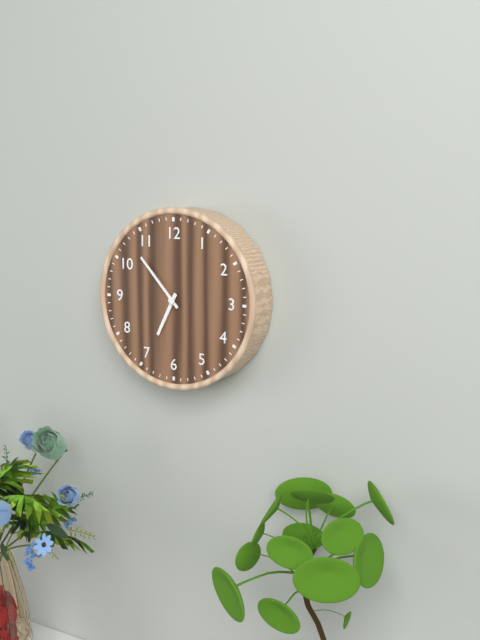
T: **6:53**
